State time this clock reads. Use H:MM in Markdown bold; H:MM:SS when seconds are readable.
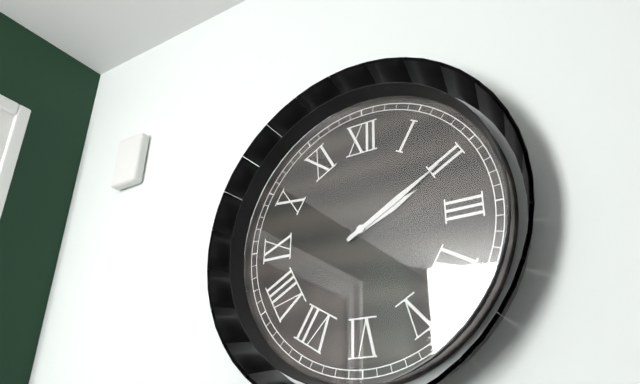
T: **2:10**
